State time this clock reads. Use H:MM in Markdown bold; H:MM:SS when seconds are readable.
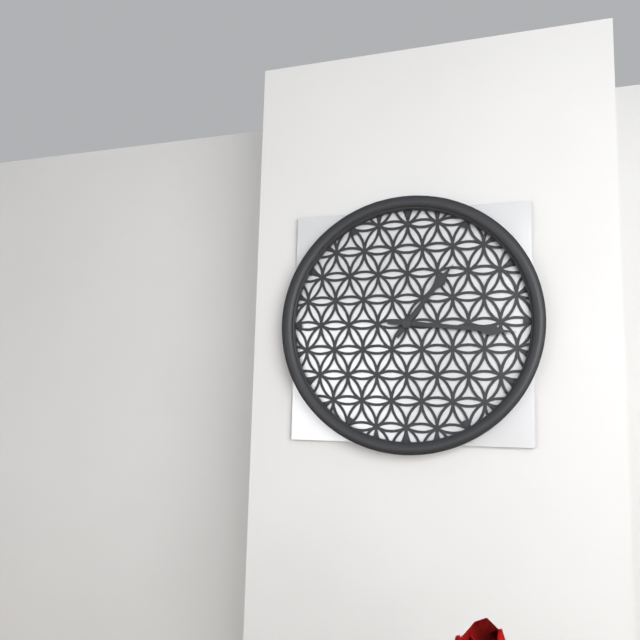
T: **1:16**
